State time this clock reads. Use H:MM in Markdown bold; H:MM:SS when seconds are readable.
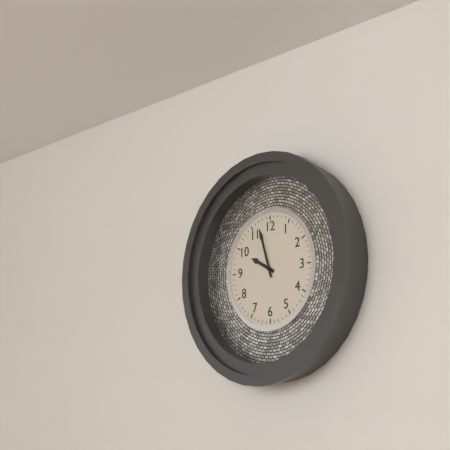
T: **9:57**
